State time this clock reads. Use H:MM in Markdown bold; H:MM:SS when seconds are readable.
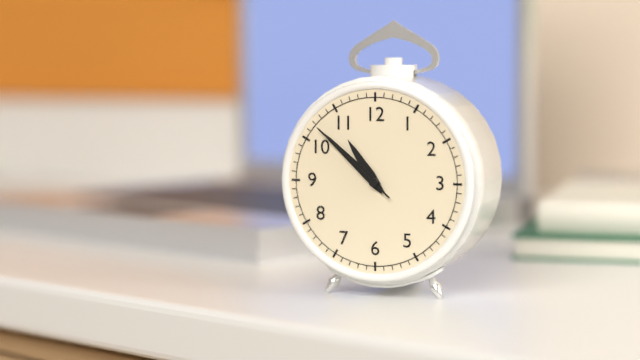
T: **10:52:52**
